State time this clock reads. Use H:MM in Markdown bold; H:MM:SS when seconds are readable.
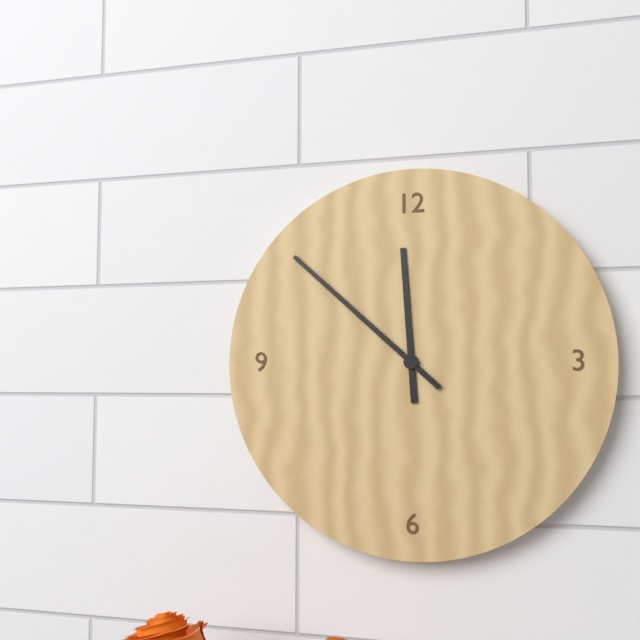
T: **11:52**
